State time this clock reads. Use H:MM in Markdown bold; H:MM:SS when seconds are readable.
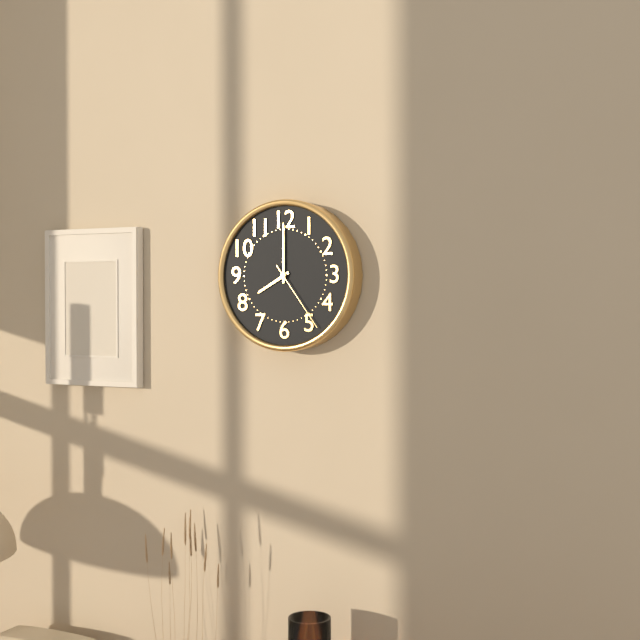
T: **8:00:24**
